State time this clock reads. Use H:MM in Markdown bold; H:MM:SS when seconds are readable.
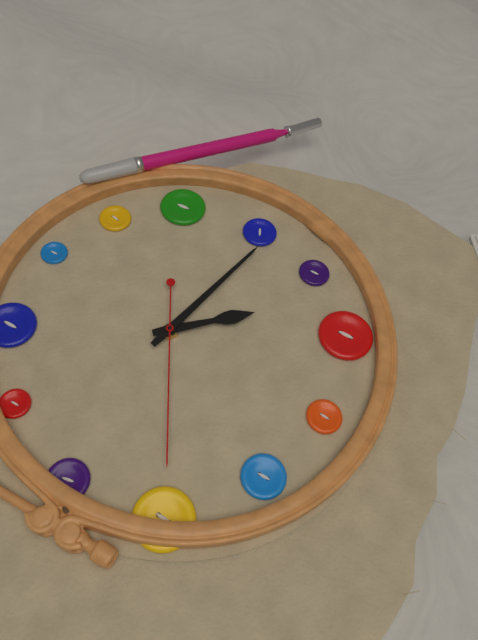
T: **7:32:55**
